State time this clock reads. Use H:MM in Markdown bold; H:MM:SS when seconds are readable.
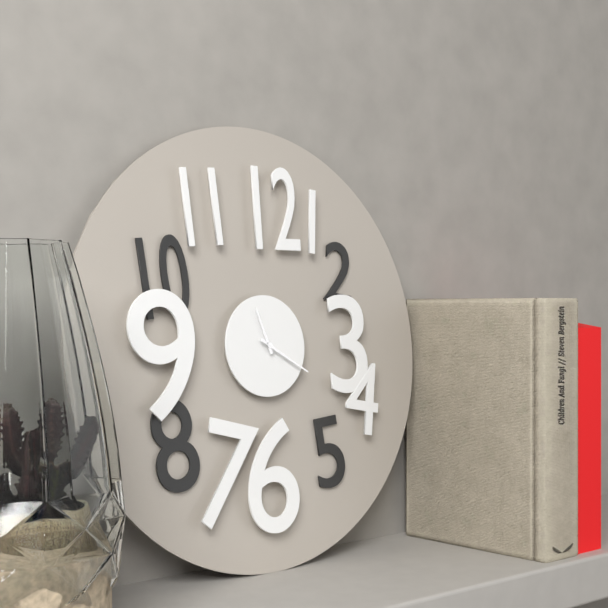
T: **11:20**
